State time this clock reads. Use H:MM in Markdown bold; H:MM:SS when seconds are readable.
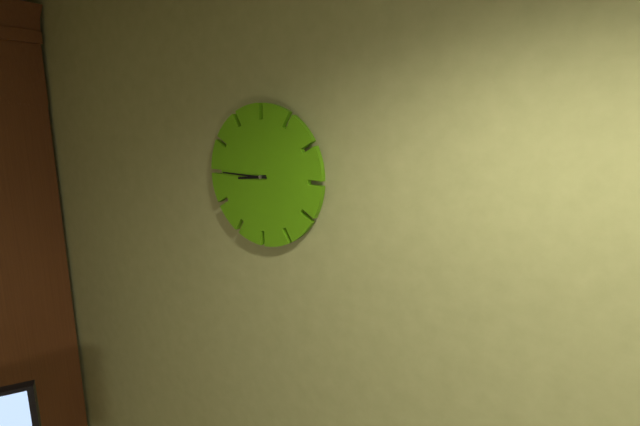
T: **8:45**
